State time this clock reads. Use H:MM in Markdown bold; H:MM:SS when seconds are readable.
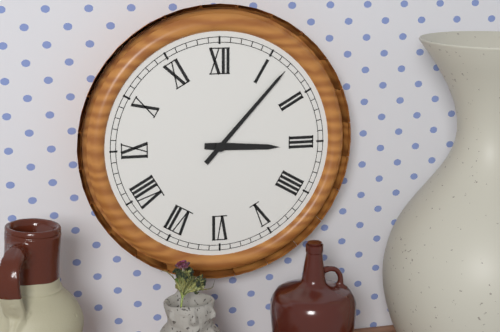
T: **3:07**
